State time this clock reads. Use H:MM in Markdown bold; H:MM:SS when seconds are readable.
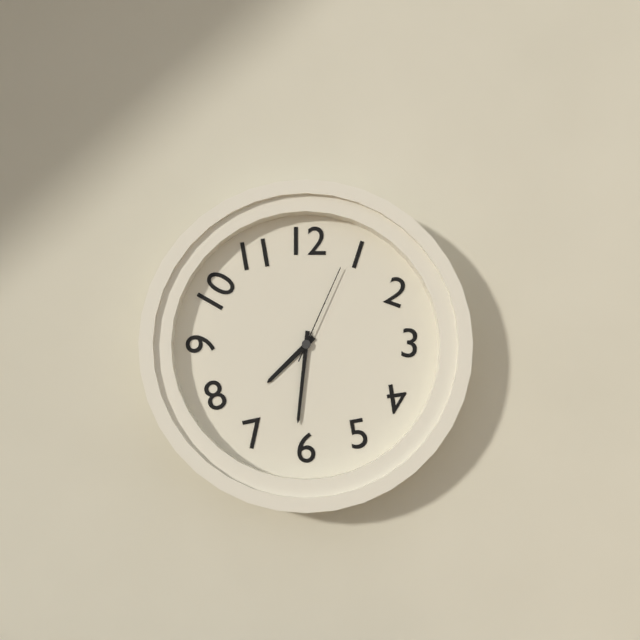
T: **7:31:04**
